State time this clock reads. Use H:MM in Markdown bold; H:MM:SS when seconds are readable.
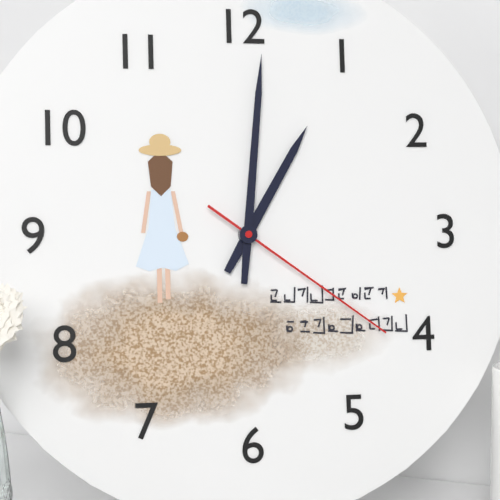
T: **1:01:21**
